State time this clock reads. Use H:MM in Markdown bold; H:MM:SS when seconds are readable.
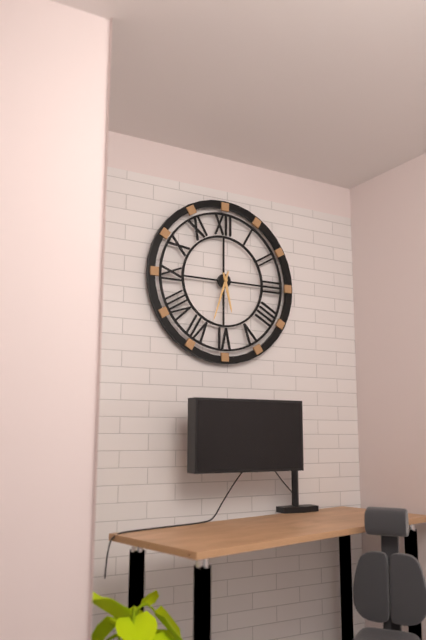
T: **5:33**
